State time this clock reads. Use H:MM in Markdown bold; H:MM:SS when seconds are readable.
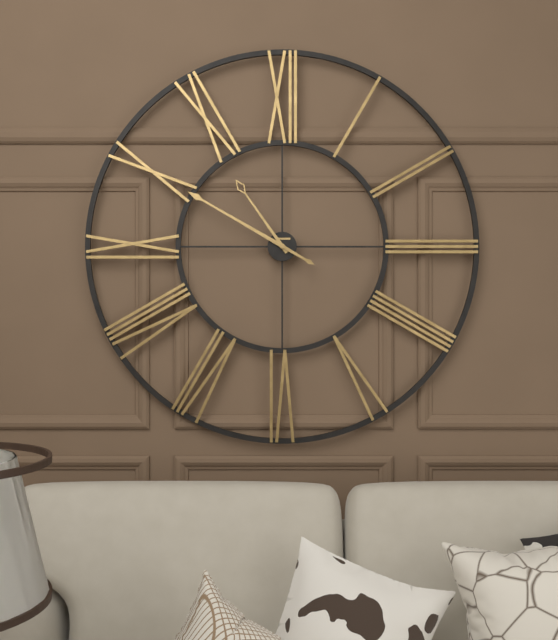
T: **10:50**
